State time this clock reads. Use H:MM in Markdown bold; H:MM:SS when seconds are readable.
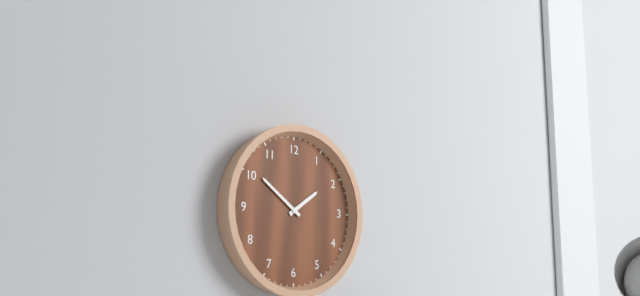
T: **1:51**
